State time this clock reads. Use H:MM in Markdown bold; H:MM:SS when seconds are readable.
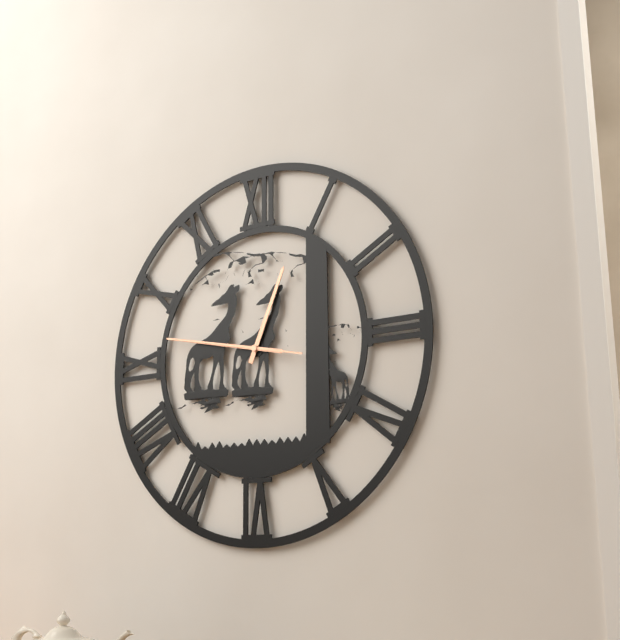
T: **12:47:47**
